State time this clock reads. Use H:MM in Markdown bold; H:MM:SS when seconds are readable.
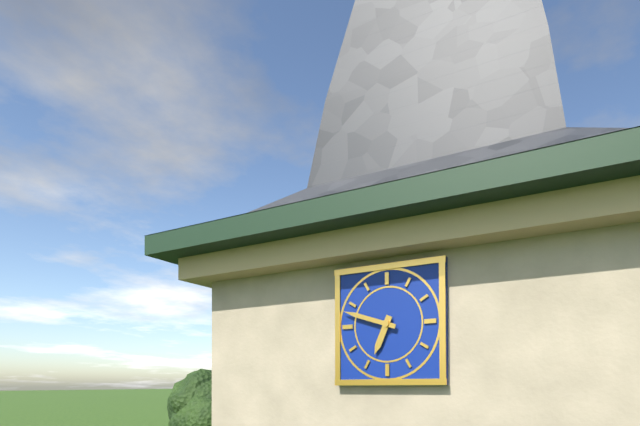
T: **6:48**
